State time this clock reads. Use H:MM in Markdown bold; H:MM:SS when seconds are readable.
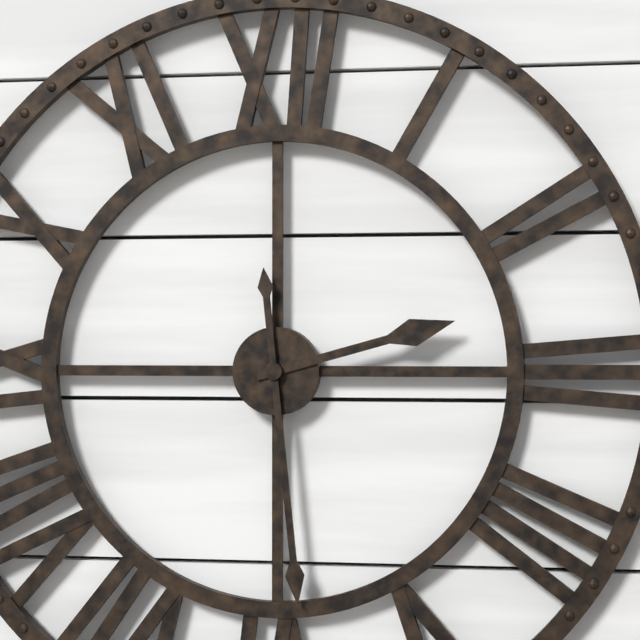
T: **2:29**
